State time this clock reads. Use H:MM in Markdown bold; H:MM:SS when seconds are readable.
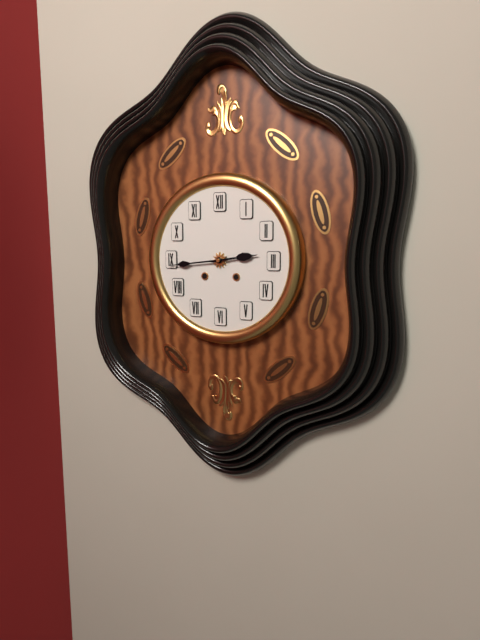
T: **2:44**
